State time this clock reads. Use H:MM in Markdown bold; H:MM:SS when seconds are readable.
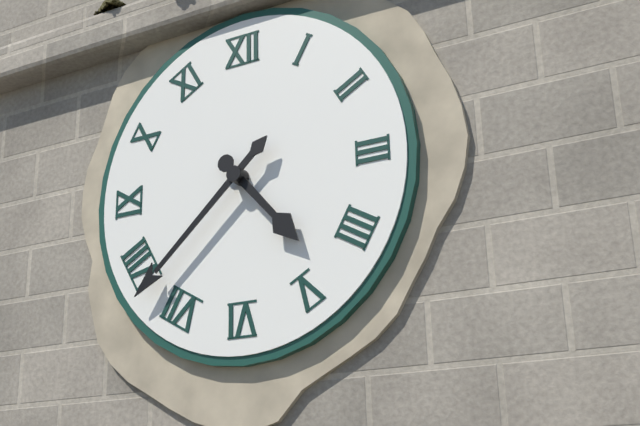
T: **4:38**
